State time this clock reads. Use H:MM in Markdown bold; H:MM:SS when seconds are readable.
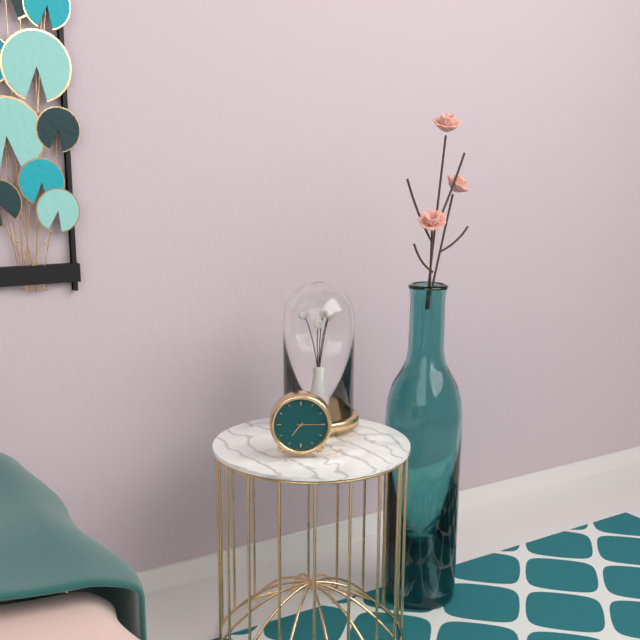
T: **7:15**
